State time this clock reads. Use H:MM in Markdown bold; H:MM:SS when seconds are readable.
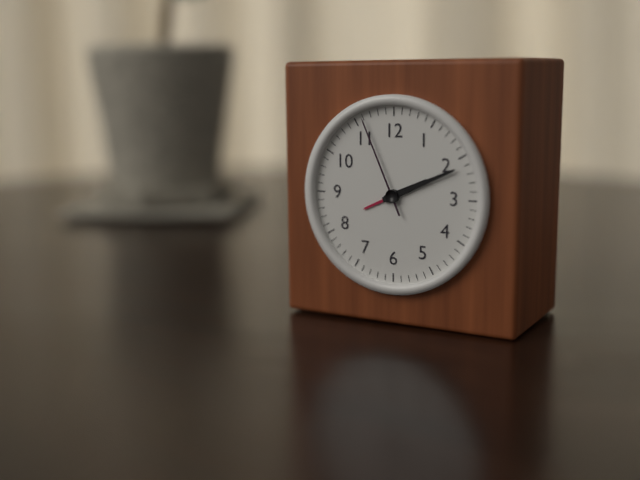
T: **2:11:56**
